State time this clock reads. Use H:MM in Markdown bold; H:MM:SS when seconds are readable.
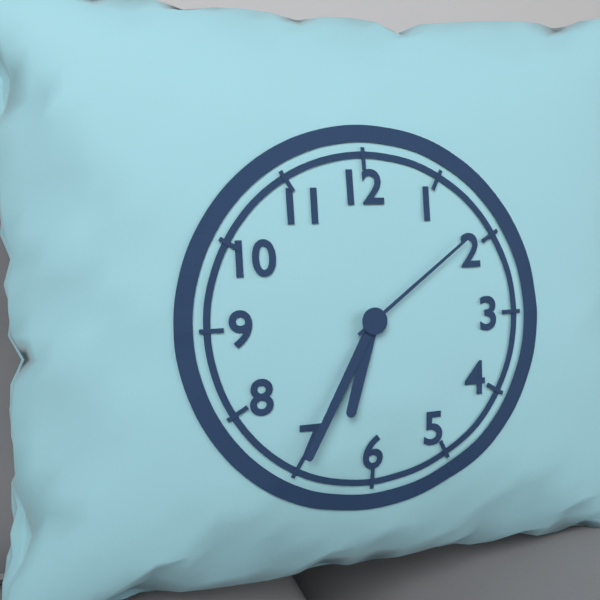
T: **6:35:09**
